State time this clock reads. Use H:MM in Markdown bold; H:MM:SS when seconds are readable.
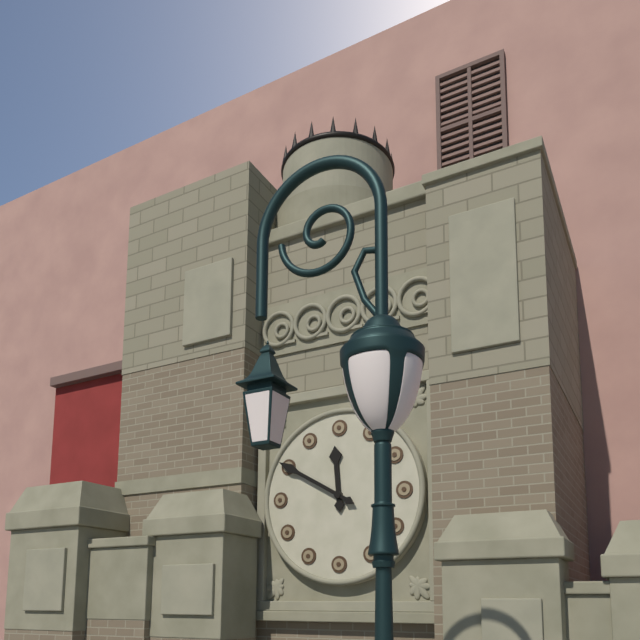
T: **11:50**
